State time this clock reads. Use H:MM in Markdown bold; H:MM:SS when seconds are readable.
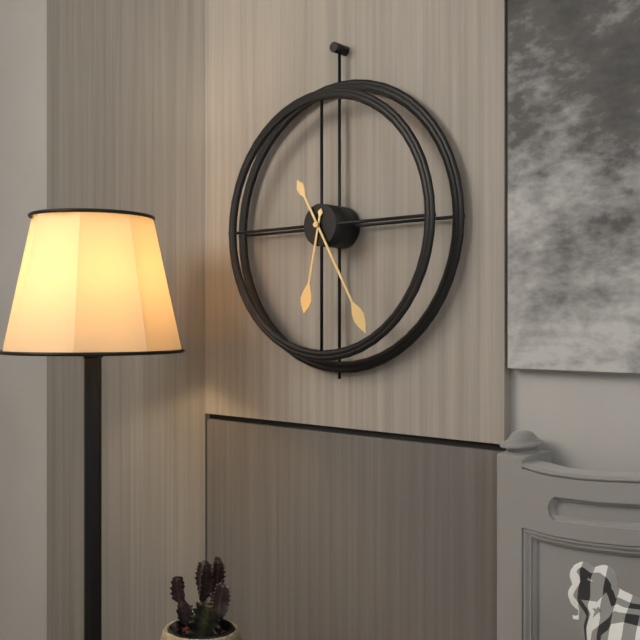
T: **6:25**
